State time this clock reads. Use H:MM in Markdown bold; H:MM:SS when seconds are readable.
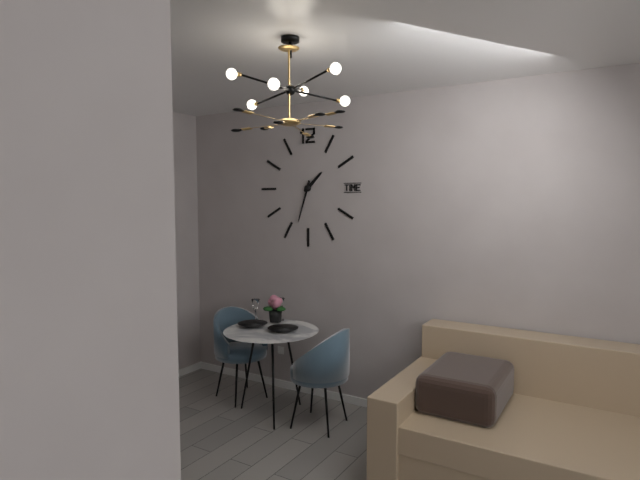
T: **1:33**
